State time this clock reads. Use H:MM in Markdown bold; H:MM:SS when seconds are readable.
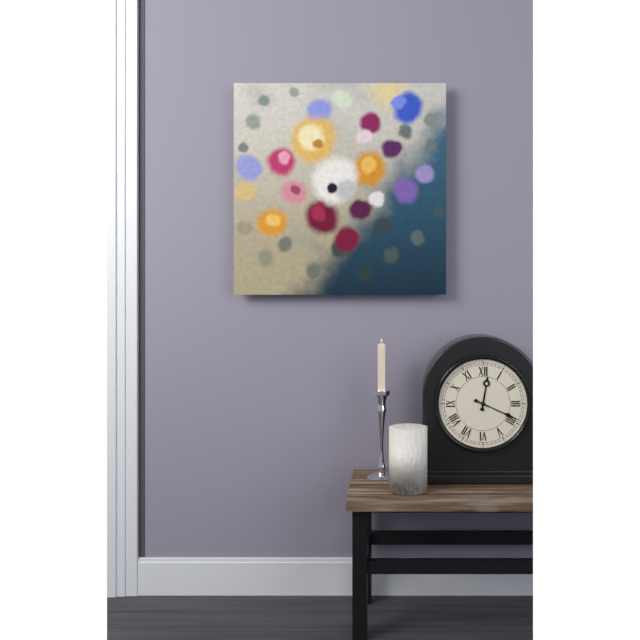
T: **12:19**
